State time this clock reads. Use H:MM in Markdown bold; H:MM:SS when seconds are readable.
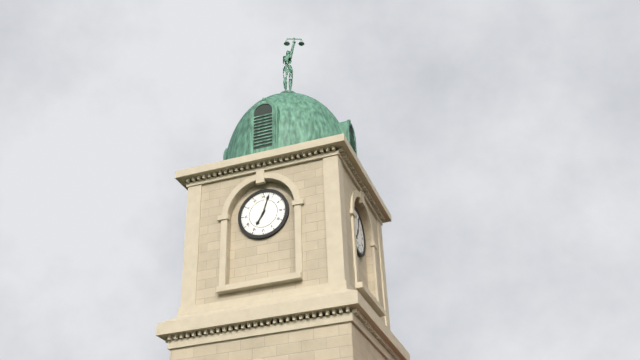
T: **7:03**
